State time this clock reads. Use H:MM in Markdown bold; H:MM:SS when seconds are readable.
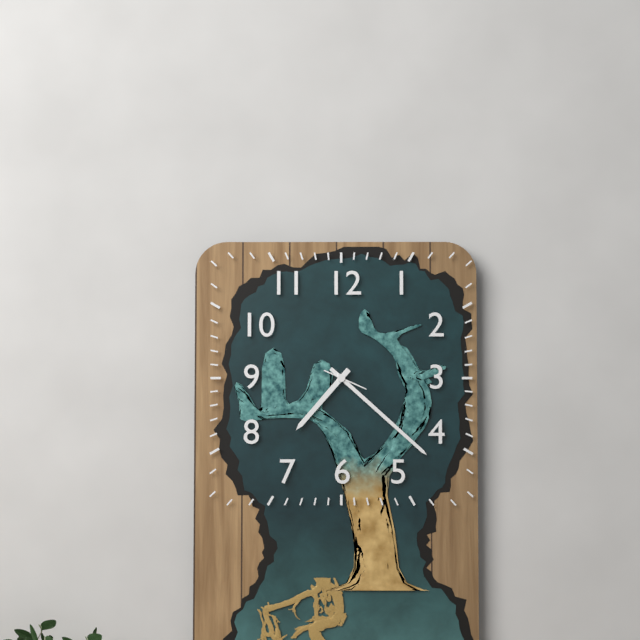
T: **7:22**
